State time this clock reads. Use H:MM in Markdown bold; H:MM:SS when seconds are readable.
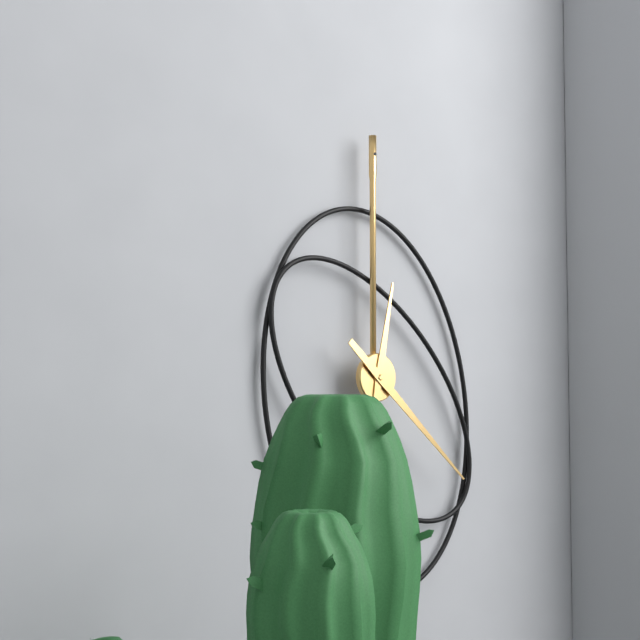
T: **12:22**
